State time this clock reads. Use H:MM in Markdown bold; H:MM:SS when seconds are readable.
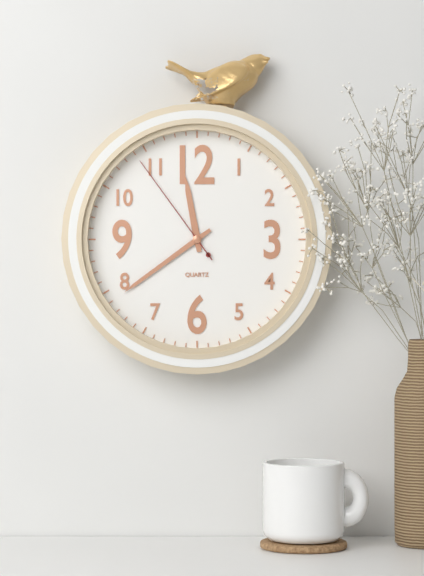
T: **11:39:54**
